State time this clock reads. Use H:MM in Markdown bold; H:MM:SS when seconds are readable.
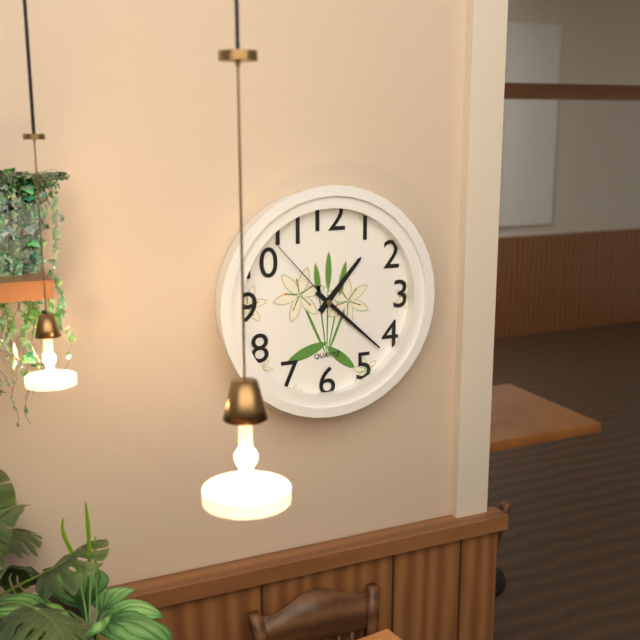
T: **1:22:53**
